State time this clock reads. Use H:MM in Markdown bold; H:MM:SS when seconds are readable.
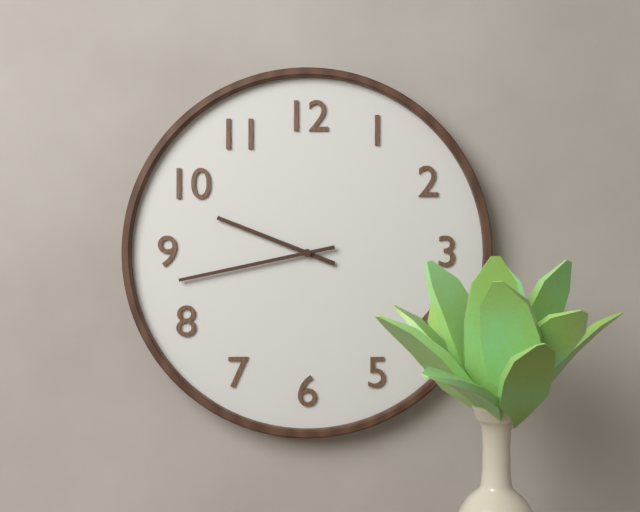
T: **9:43**
